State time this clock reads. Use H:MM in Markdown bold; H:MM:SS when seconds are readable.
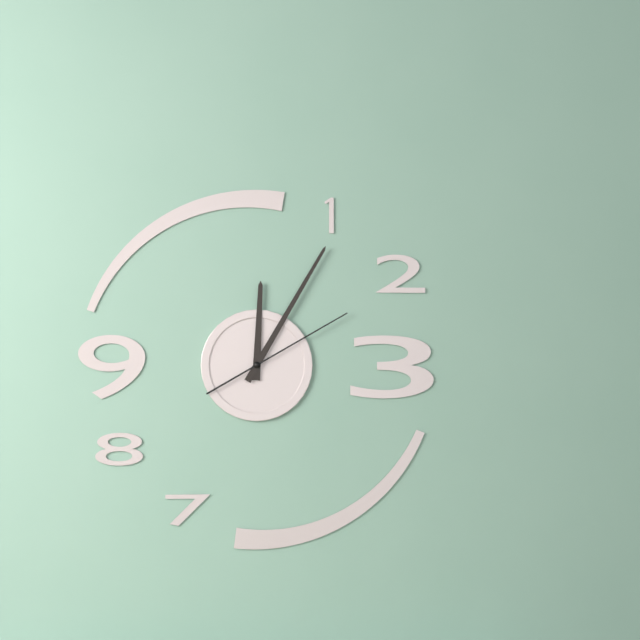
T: **12:05:10**
